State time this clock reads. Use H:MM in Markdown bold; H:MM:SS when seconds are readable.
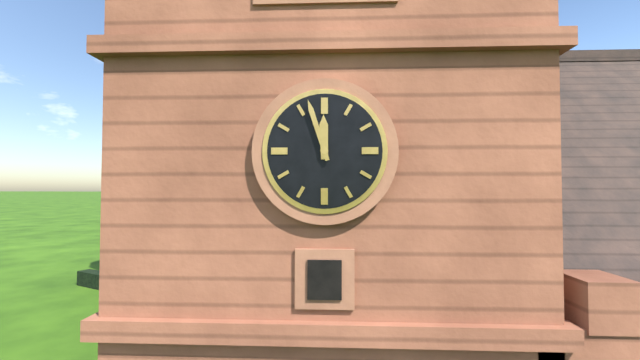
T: **11:57**
